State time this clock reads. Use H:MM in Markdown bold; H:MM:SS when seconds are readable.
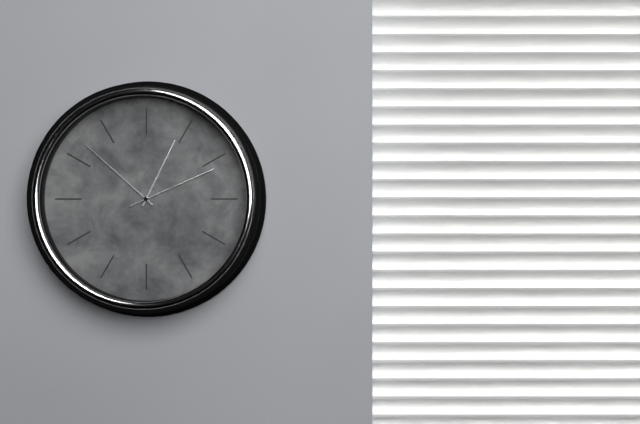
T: **12:52:11**
